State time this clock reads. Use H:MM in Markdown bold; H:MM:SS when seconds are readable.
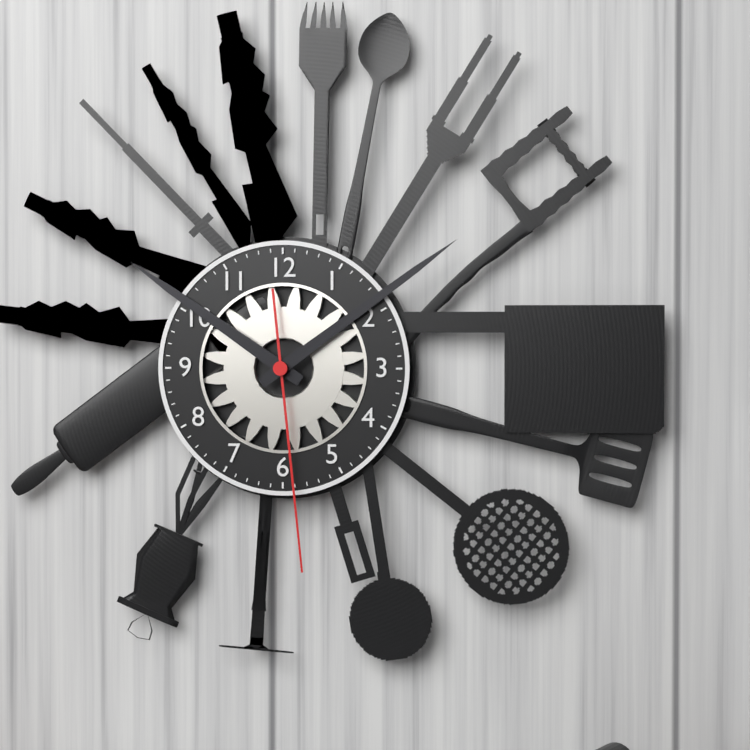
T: **10:09:29**
